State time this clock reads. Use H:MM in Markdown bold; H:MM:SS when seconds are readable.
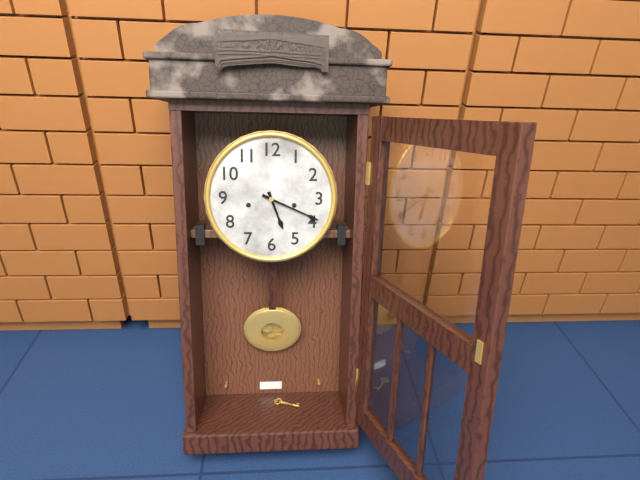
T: **5:19**
